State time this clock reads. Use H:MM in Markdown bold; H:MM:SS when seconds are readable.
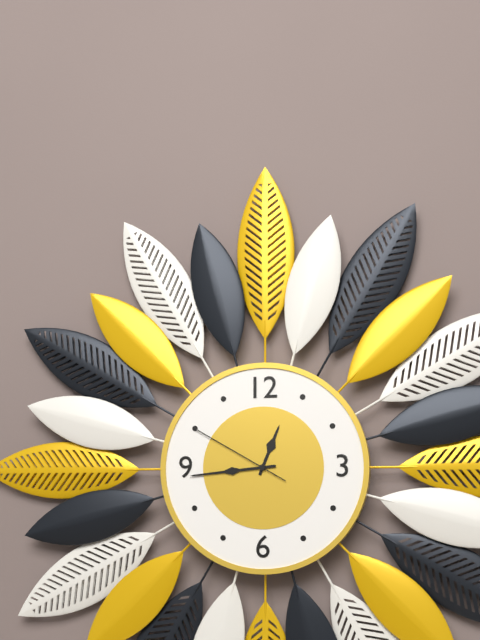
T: **12:44:50**
